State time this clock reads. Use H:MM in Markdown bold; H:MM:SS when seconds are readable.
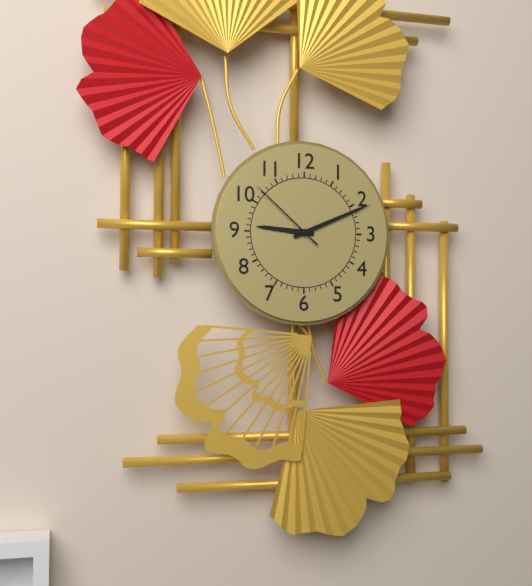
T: **9:11:52**
